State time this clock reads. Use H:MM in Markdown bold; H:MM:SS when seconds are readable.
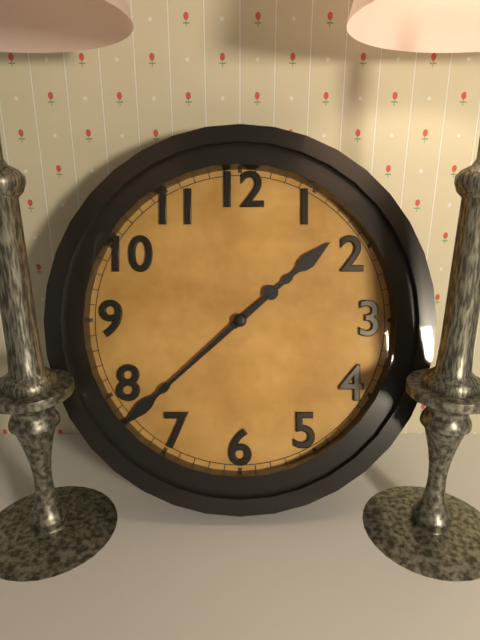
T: **1:38**
